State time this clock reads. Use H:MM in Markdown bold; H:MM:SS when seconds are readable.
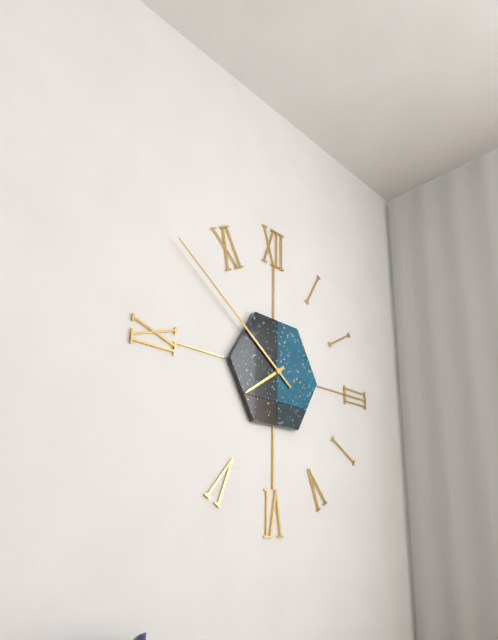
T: **7:51**
